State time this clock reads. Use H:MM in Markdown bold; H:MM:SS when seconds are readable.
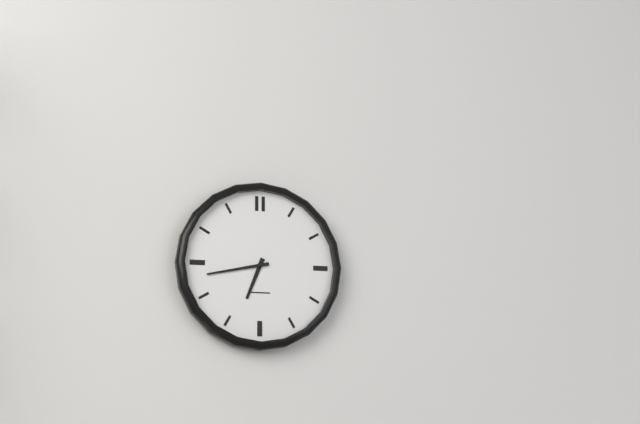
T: **6:43**
